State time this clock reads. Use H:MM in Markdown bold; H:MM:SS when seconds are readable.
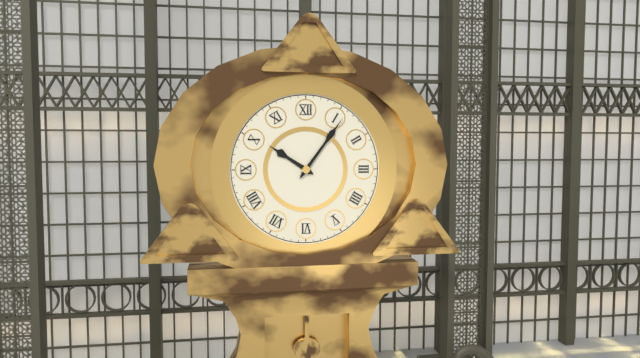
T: **10:06**
